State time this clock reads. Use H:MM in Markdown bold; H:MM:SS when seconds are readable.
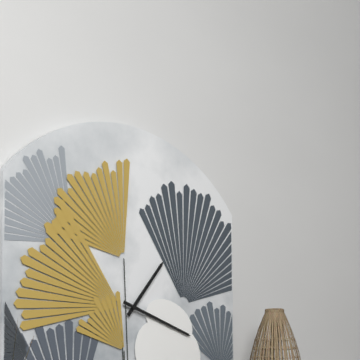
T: **1:18**
